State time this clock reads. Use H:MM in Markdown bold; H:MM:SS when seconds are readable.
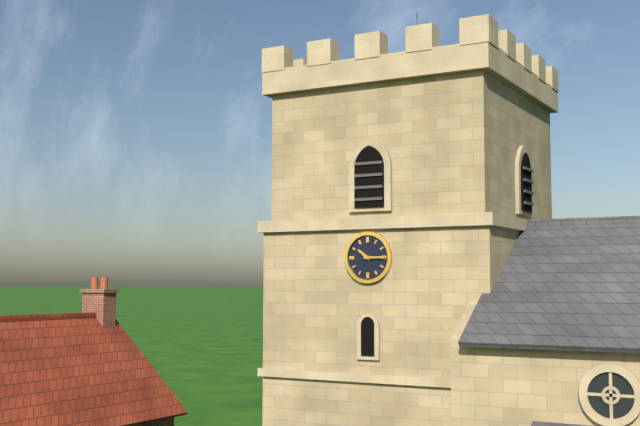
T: **10:15**
